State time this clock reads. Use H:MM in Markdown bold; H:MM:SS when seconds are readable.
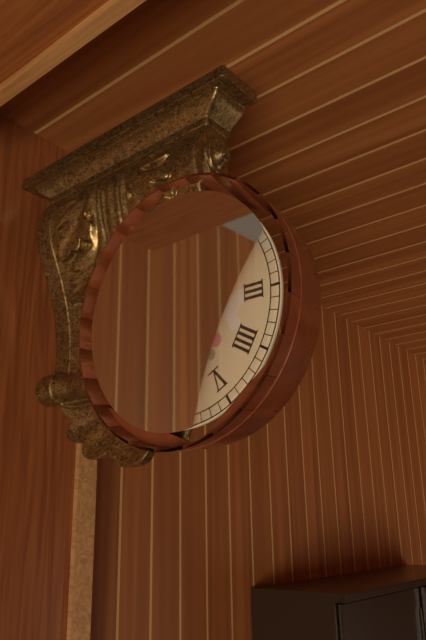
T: **6:58**
